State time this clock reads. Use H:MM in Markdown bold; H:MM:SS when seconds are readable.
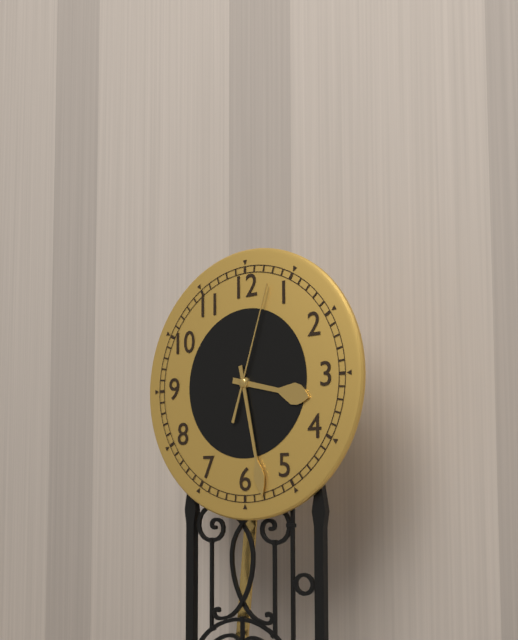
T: **3:28:03**
